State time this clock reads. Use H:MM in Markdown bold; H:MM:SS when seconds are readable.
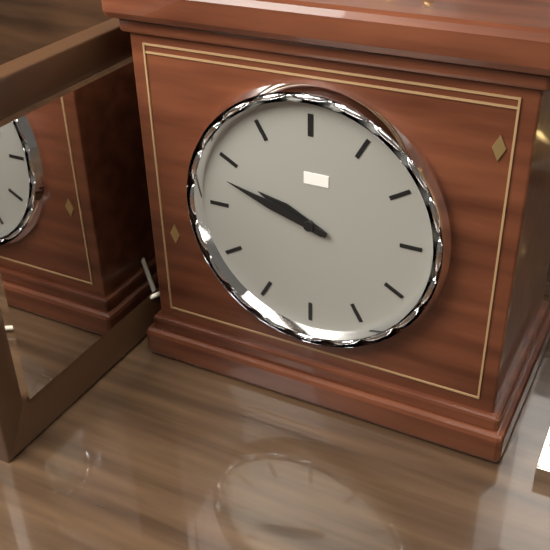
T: **9:48**
